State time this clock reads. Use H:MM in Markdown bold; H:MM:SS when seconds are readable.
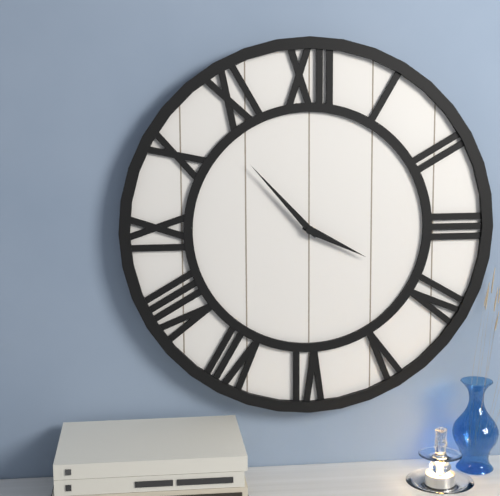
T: **3:53**
